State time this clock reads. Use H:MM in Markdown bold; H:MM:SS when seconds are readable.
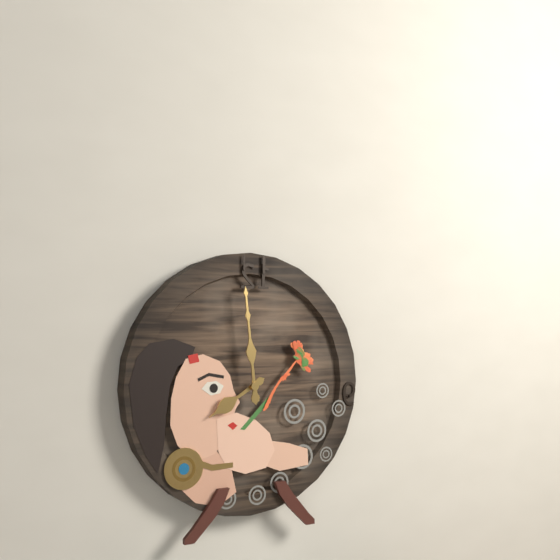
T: **7:59**
